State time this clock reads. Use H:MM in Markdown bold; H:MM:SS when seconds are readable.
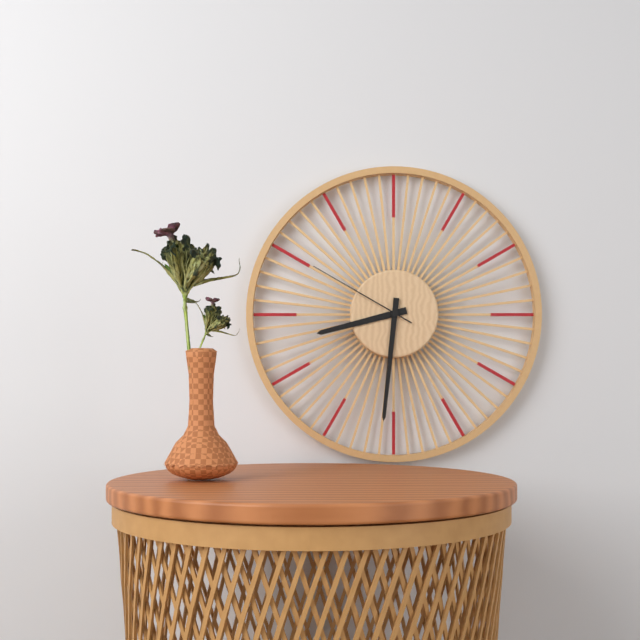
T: **8:31:50**
